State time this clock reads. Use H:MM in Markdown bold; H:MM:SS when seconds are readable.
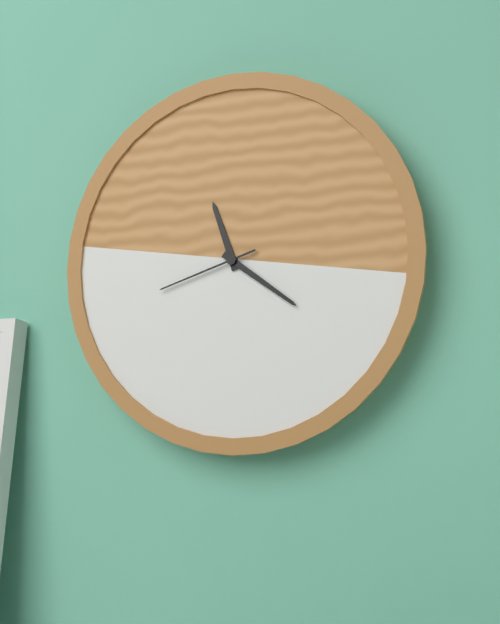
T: **11:21:42**
